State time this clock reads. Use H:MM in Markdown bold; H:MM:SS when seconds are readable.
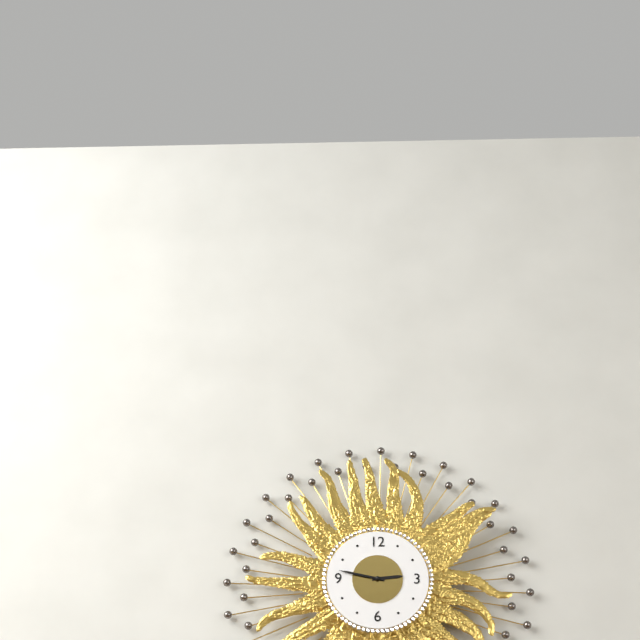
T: **2:47**
